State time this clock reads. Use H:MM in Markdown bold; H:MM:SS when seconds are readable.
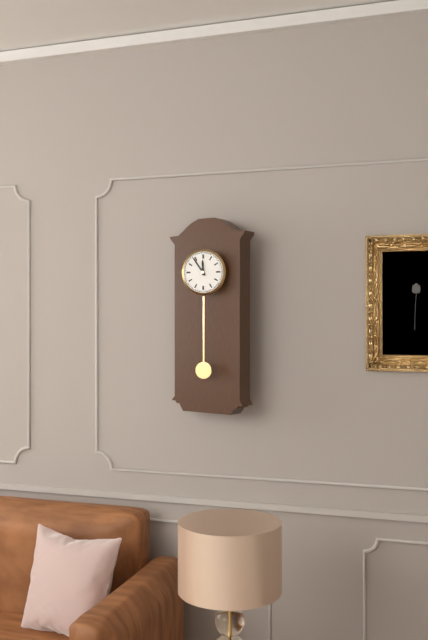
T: **11:54**
